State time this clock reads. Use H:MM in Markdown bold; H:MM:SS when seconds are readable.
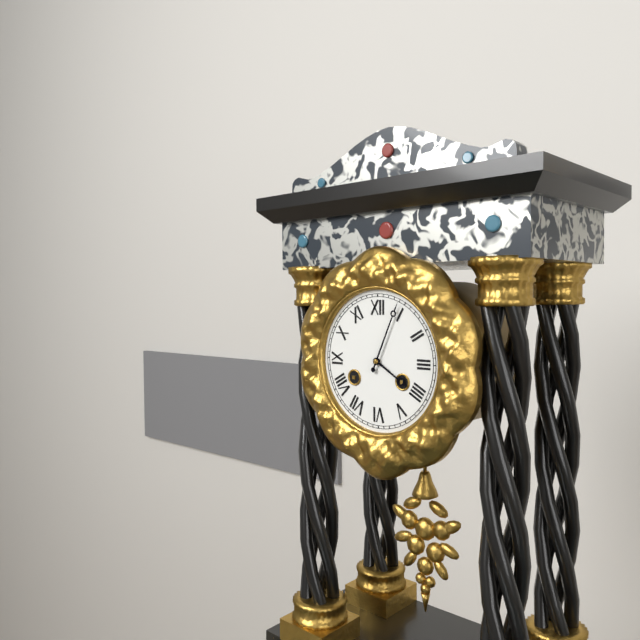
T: **4:04**
